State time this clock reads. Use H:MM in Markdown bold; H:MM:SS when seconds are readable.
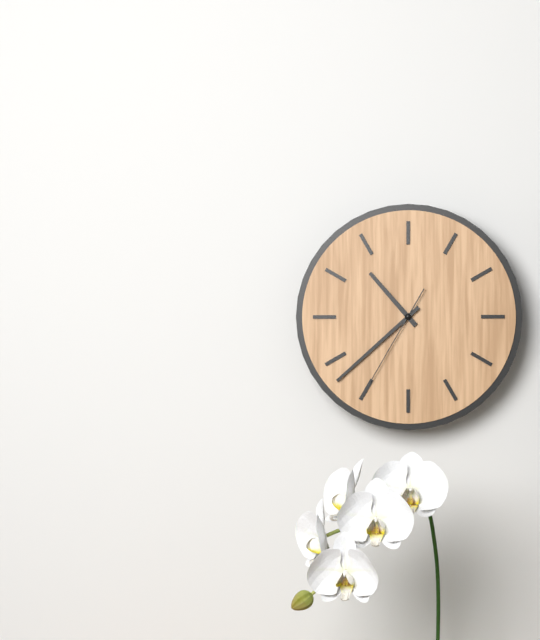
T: **10:38:35**
